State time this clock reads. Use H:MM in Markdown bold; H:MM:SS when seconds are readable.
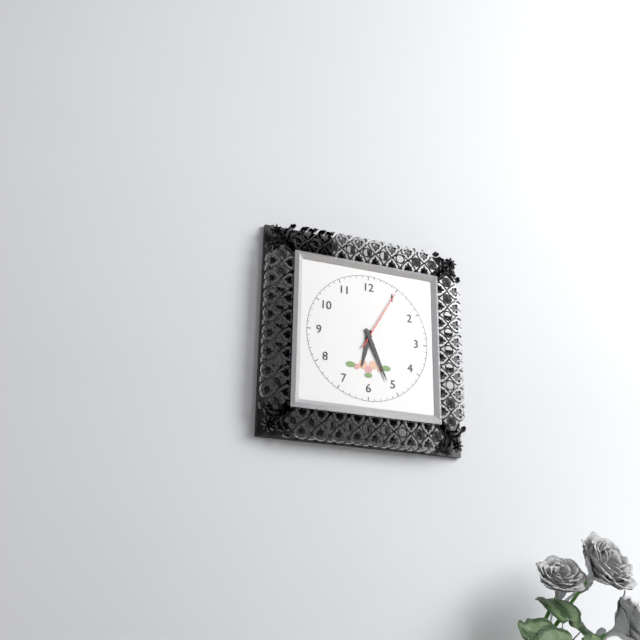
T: **6:26:05**
